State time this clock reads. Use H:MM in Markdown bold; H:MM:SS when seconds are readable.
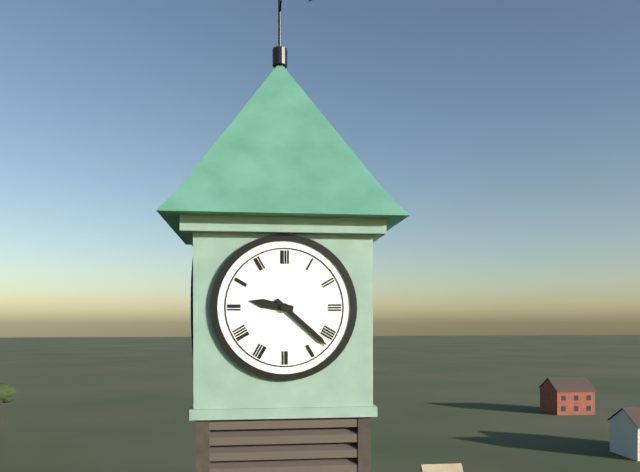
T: **9:22**
